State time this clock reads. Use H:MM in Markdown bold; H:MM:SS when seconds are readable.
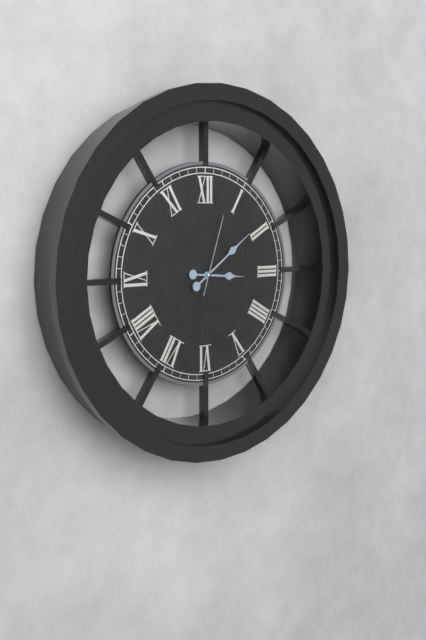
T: **3:09:03**
